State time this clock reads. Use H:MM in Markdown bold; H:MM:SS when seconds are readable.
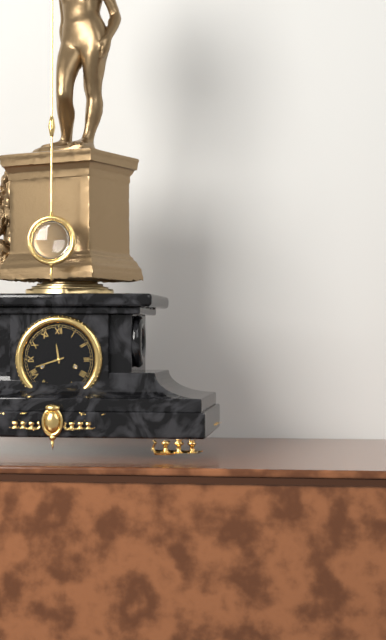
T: **11:42**
